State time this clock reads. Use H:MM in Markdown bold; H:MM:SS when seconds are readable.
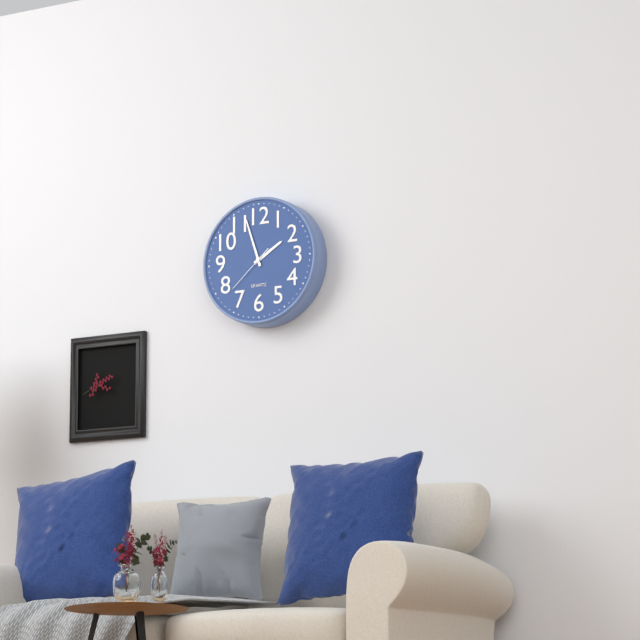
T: **1:57**
